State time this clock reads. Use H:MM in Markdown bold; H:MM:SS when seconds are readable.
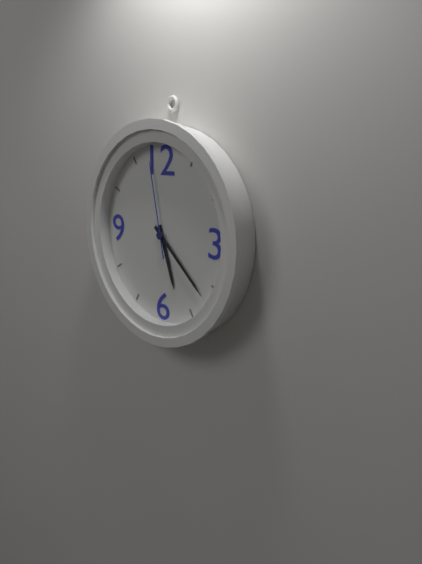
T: **5:22:58**
